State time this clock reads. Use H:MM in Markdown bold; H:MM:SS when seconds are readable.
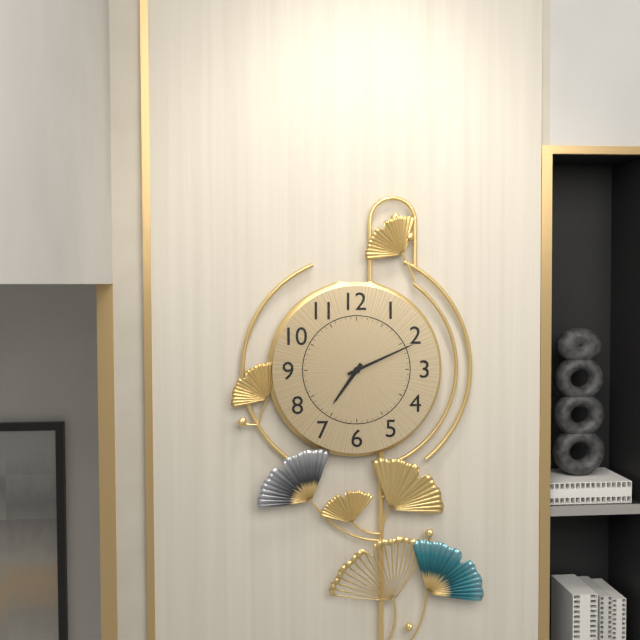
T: **7:11**
